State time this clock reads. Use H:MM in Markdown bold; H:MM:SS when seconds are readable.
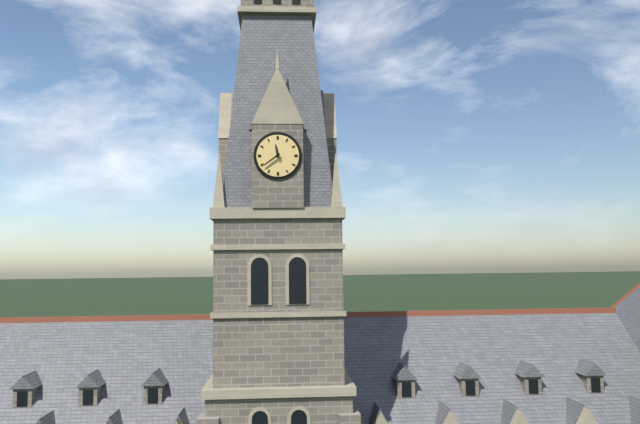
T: **11:39**
